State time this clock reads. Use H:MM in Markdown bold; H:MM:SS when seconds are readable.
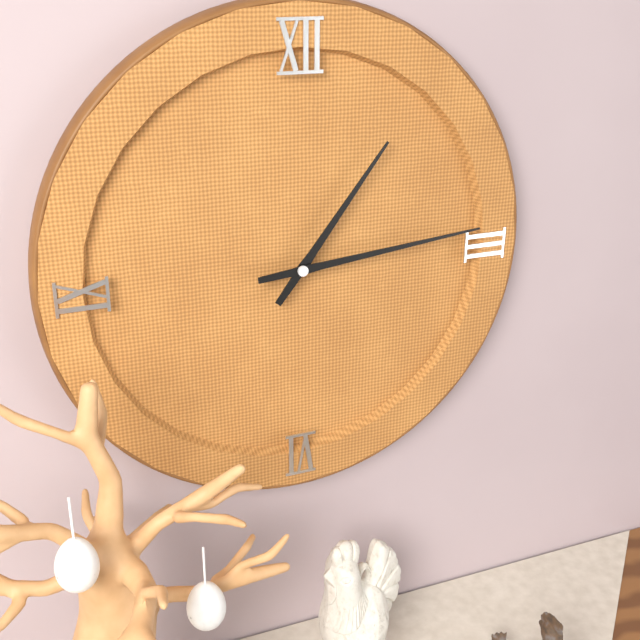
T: **1:14**
